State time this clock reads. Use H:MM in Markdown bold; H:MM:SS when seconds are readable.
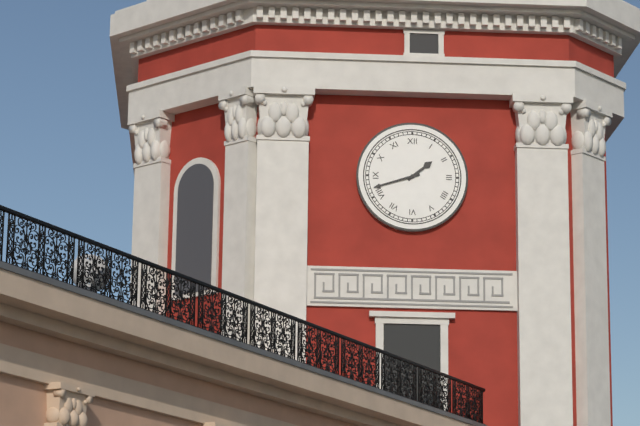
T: **1:42**
